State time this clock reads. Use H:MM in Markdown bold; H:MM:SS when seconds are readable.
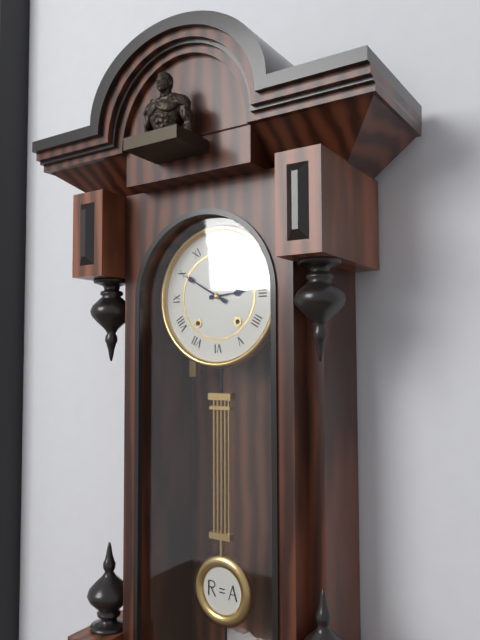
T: **2:50**
